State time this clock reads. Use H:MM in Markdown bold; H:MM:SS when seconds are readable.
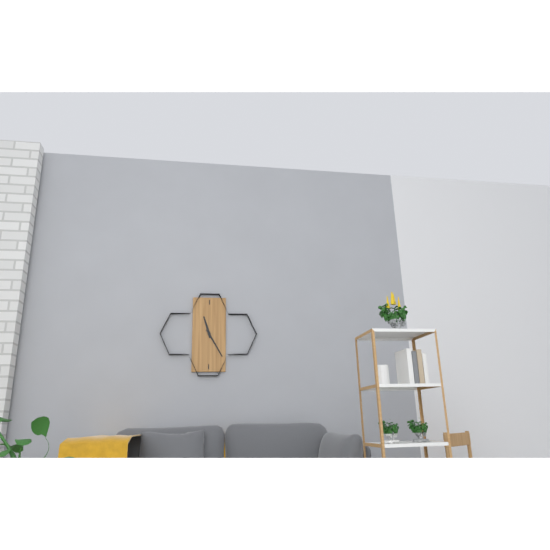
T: **11:25**
